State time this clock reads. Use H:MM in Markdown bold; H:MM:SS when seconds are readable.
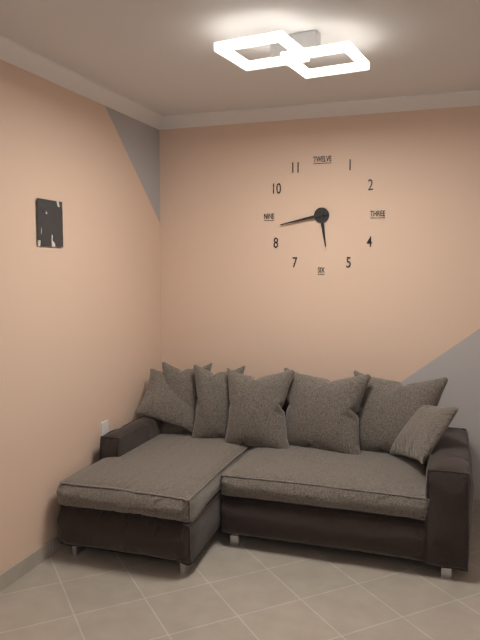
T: **5:43**
